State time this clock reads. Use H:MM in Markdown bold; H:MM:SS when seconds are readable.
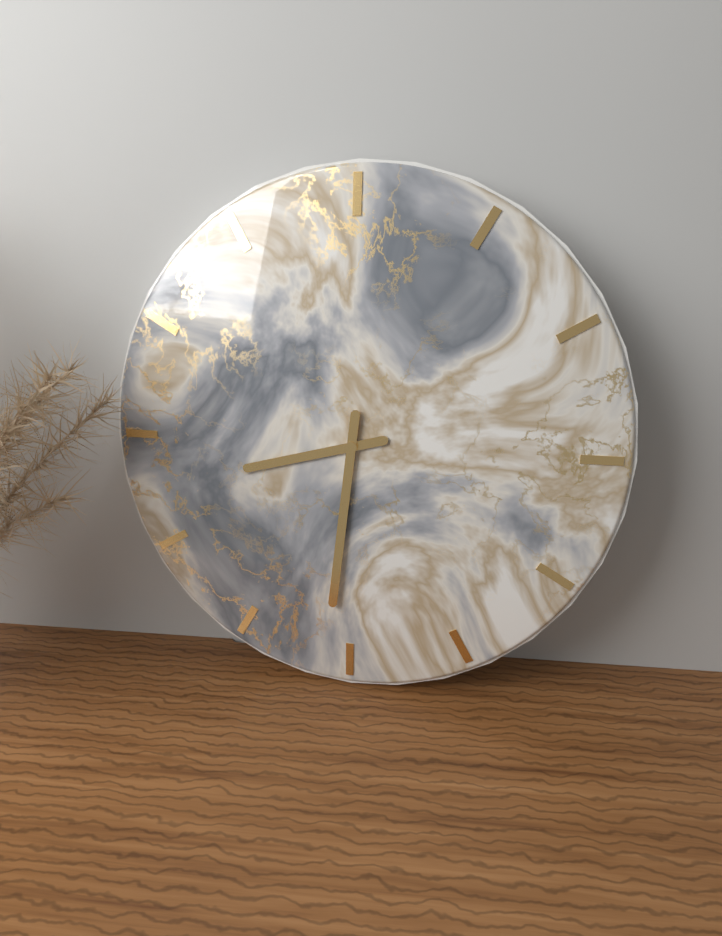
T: **8:31**
